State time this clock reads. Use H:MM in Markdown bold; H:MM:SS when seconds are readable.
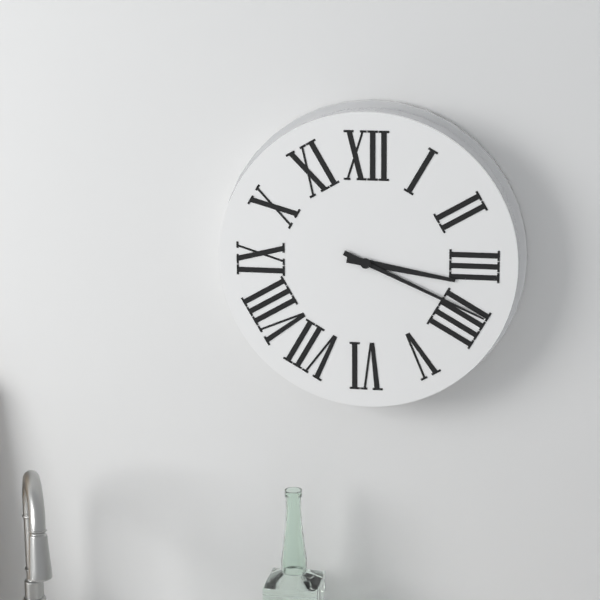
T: **3:19**
